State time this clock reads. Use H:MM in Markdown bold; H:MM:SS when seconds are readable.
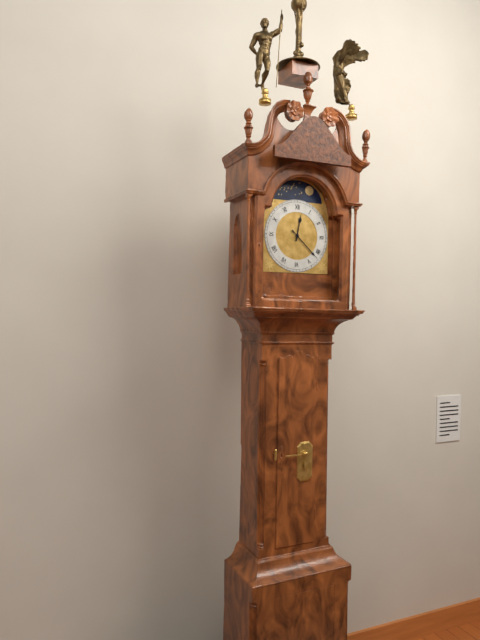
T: **12:22**
